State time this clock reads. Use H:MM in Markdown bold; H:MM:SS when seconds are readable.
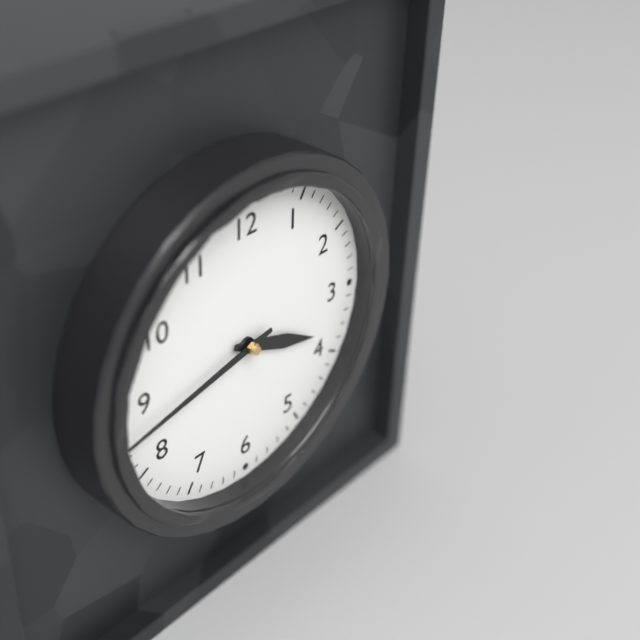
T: **3:43**
